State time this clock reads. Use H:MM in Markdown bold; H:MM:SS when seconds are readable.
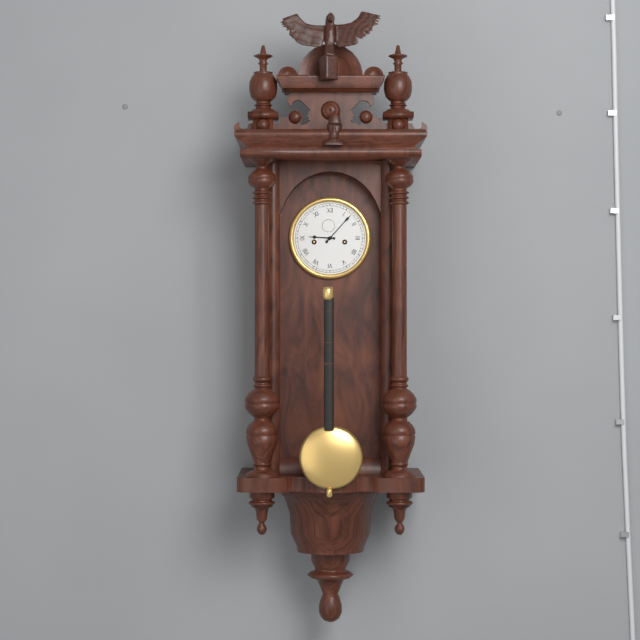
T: **9:07**
